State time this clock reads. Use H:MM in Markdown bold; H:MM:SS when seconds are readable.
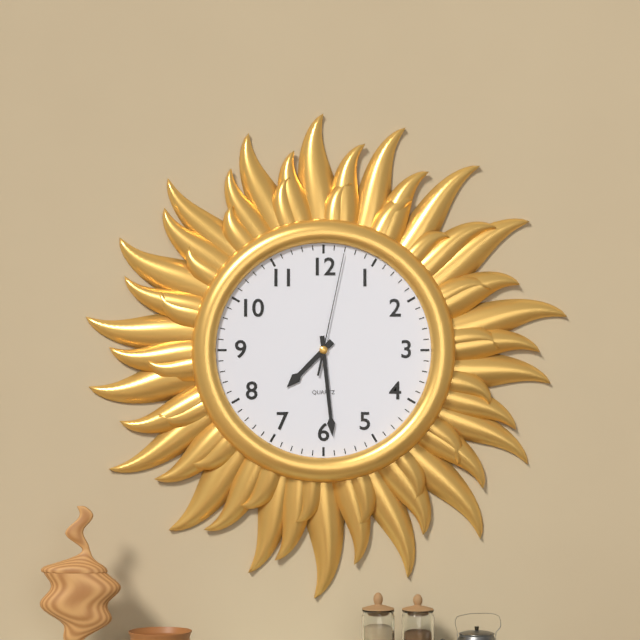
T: **7:29:02**
